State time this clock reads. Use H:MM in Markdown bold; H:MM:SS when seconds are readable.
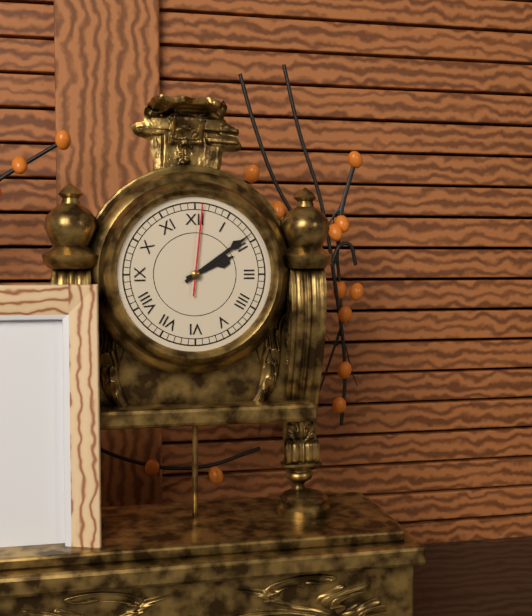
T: **2:09:01**
